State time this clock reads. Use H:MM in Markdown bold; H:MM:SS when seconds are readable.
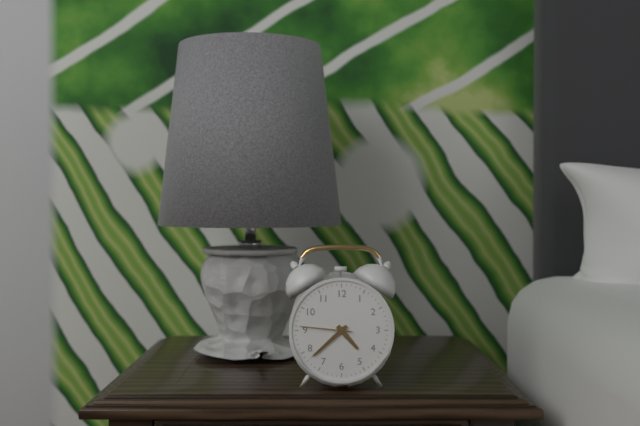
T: **4:38:46**
